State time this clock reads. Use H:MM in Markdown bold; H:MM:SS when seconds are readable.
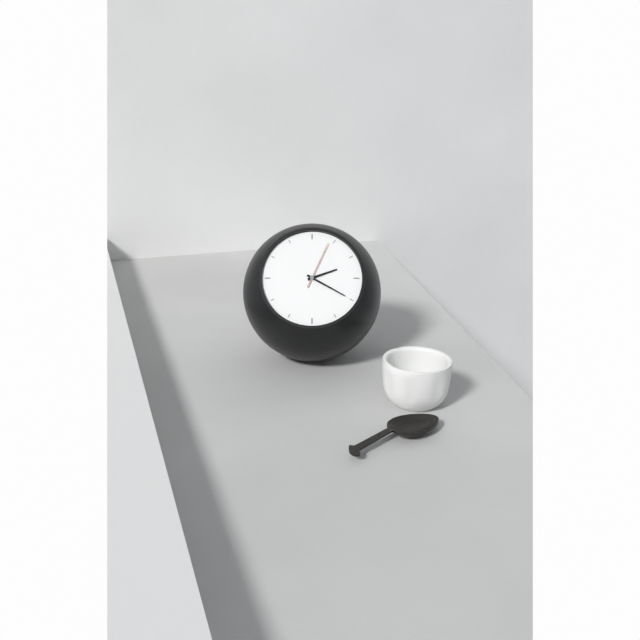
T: **2:20:04**
